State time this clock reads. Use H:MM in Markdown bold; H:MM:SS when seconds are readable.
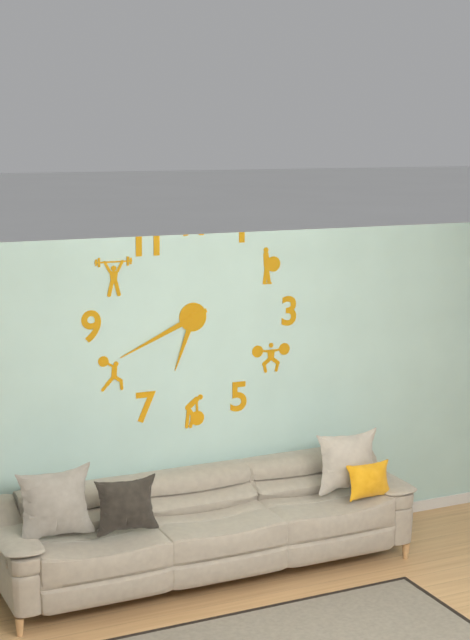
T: **6:41**
